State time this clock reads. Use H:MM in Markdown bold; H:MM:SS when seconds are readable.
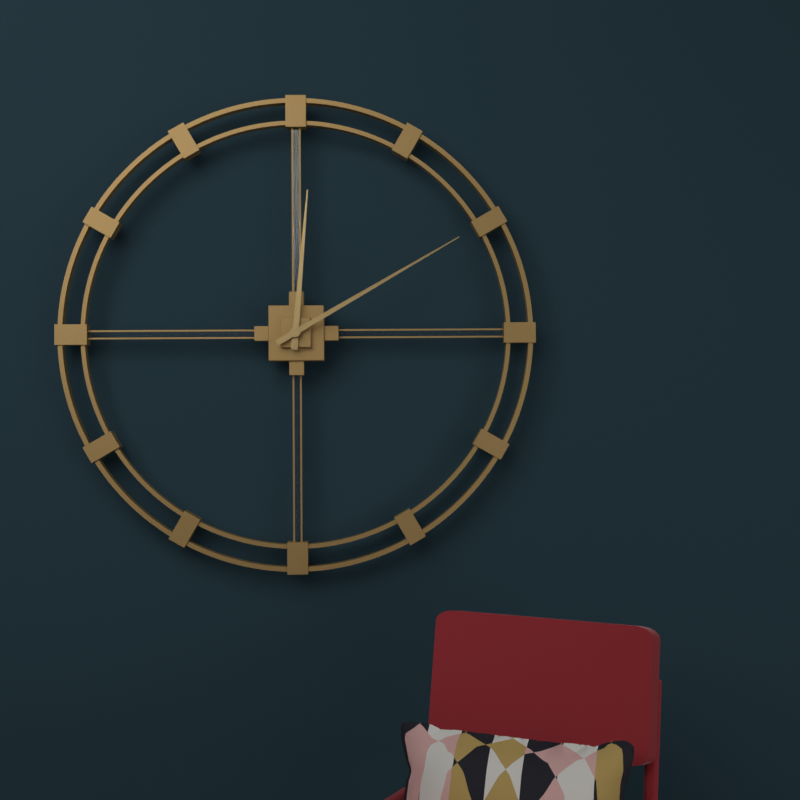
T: **12:10**
